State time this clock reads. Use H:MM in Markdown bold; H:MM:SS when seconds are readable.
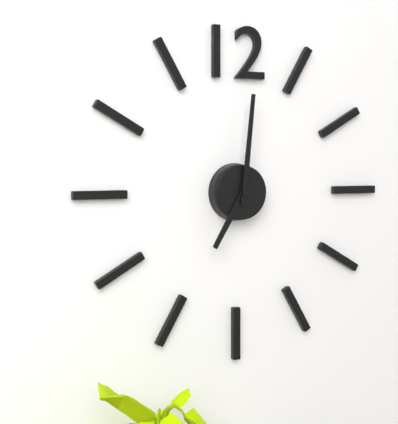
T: **7:01**
